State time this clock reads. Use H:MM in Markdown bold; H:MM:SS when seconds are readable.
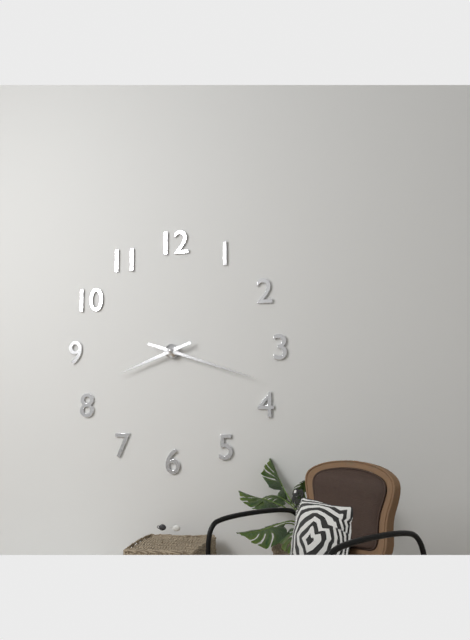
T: **8:18**
